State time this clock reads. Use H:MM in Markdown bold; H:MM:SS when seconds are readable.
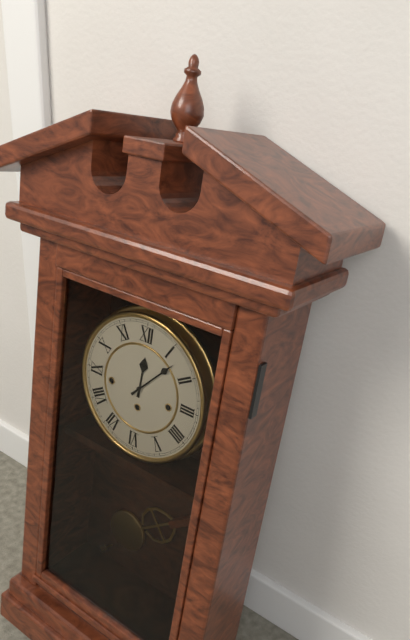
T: **12:07**
